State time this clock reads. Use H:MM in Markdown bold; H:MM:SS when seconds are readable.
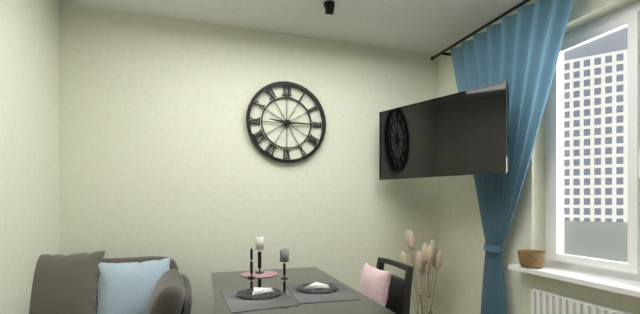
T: **9:15**
